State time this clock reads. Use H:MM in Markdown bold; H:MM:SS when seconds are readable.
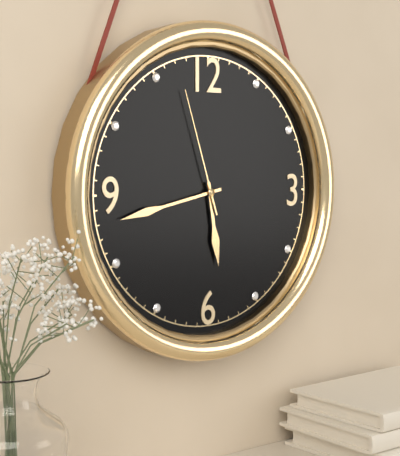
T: **5:43:57**
